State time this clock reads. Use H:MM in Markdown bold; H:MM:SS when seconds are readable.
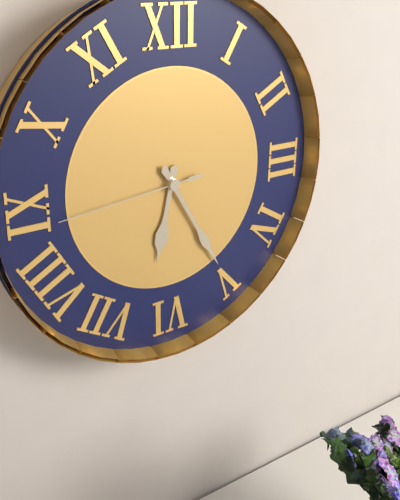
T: **6:25:44**
